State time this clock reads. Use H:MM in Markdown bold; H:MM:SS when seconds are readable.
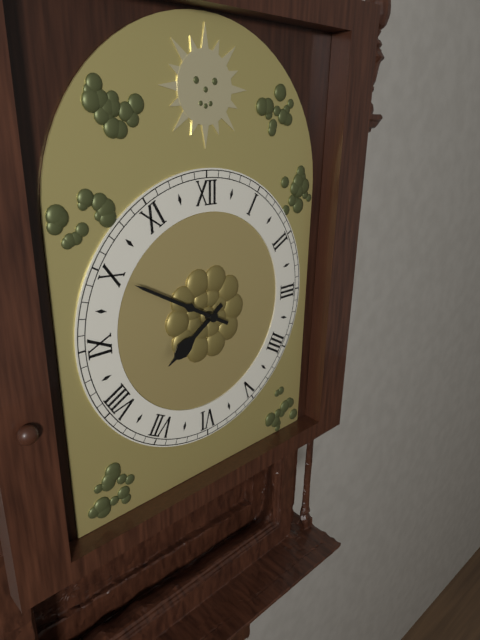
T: **7:50**
